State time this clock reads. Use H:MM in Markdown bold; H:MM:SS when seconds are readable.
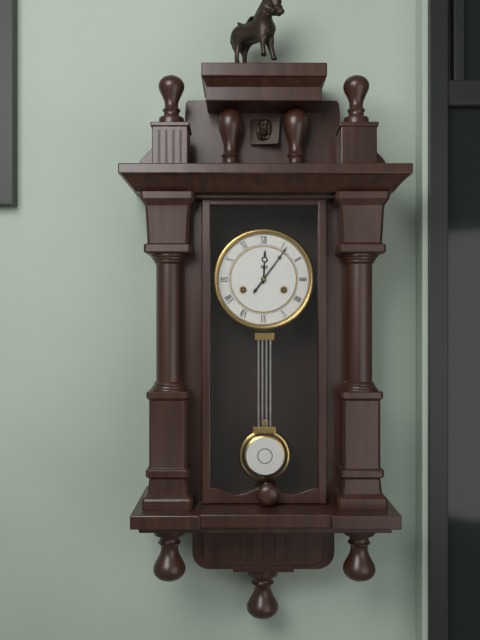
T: **12:06**
